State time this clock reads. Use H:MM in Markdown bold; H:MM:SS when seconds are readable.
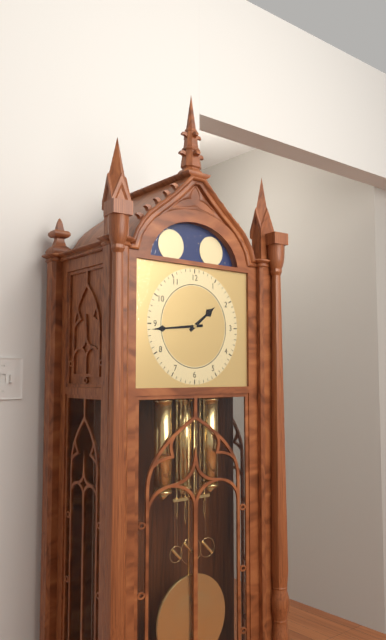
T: **1:44**
